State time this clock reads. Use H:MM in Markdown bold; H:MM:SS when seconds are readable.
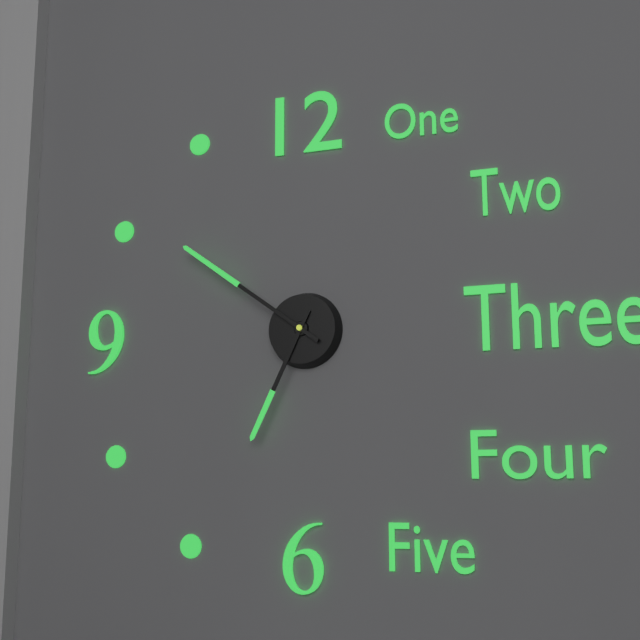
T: **6:51**
